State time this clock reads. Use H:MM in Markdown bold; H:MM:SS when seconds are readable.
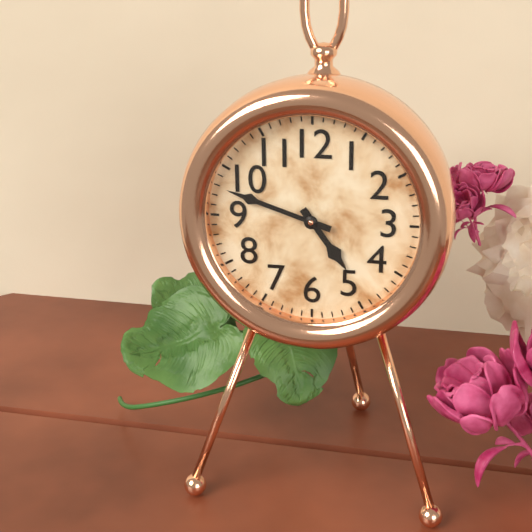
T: **4:48**
